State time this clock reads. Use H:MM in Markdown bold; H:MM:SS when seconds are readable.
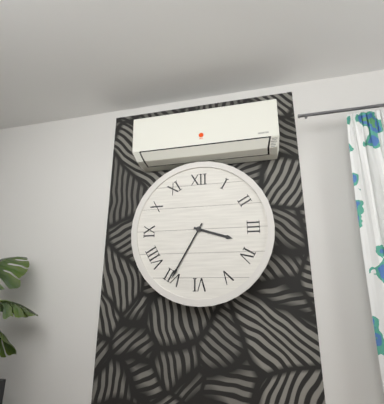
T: **3:35**
